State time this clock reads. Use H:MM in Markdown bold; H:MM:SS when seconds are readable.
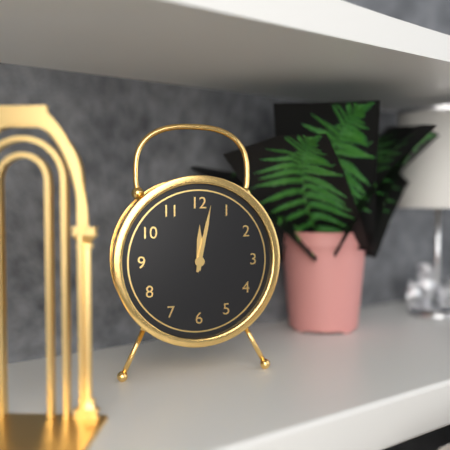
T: **12:02**
